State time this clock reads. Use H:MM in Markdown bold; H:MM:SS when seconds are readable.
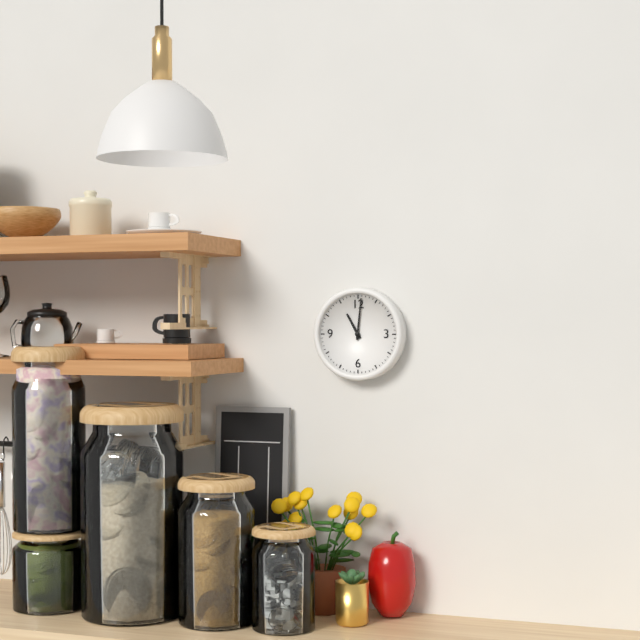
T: **11:01**
